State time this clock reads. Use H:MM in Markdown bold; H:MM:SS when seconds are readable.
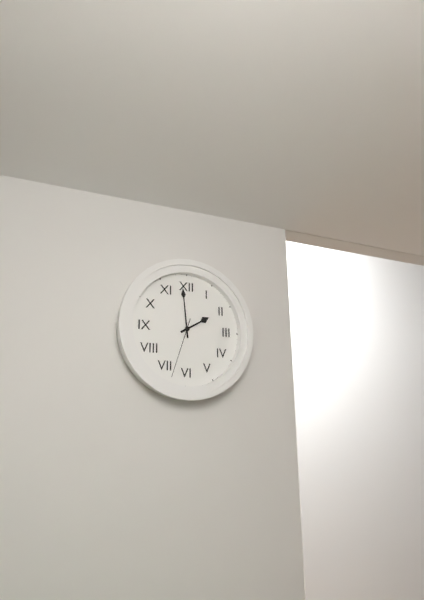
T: **1:59:33**
